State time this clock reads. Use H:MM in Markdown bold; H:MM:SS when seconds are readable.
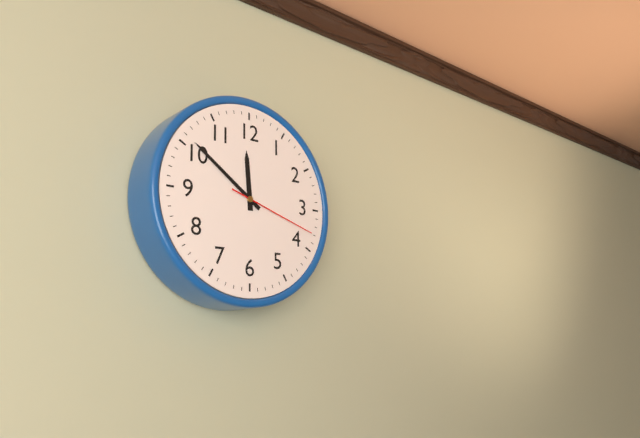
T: **11:51:18**
